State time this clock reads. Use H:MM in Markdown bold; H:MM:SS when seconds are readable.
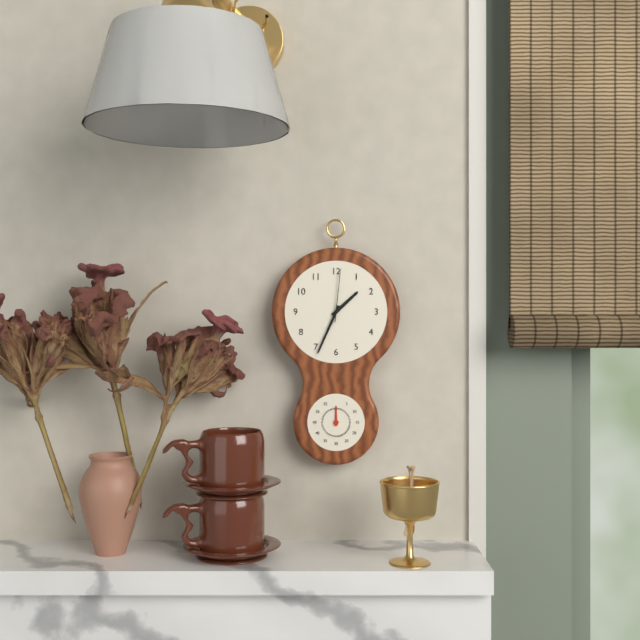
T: **1:34:01**
